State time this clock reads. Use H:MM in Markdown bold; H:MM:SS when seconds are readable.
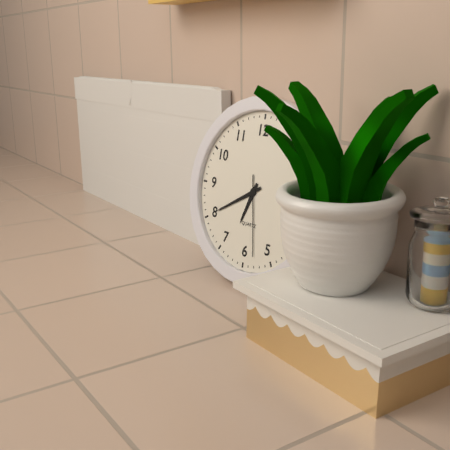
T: **6:40:28**
